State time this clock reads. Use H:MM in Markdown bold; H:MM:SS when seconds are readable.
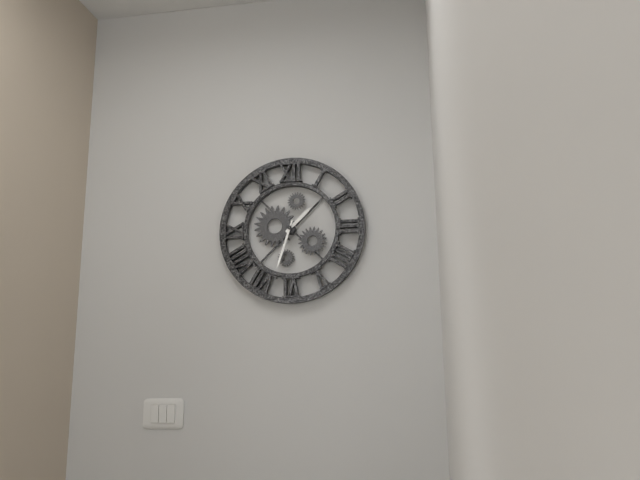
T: **1:33**
